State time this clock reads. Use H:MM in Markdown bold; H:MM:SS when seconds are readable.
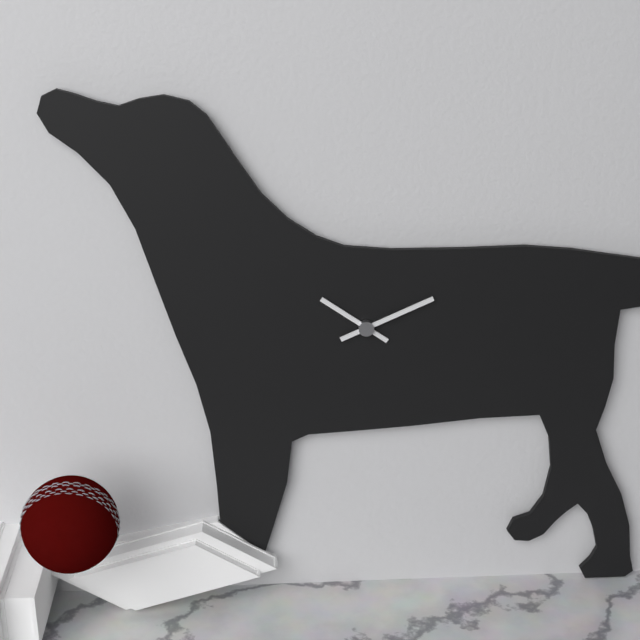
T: **10:11**
